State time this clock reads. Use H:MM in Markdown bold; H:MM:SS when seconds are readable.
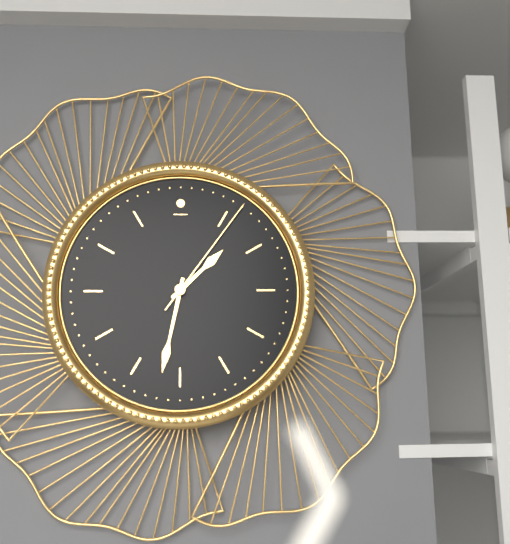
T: **1:32:06**
